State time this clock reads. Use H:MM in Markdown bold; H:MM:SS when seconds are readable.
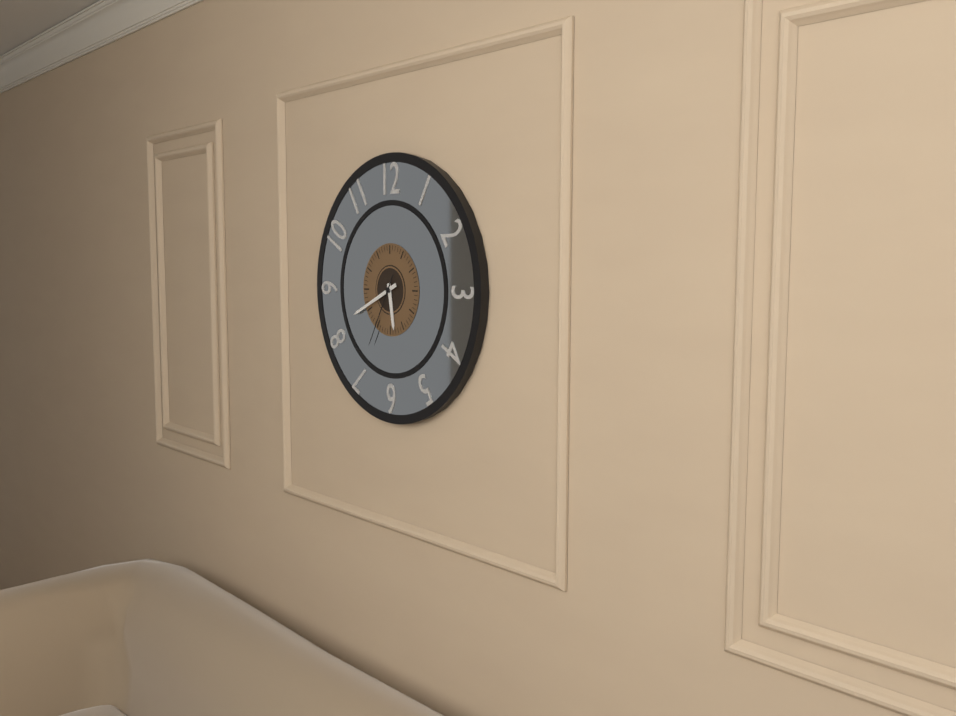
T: **5:41:35**
